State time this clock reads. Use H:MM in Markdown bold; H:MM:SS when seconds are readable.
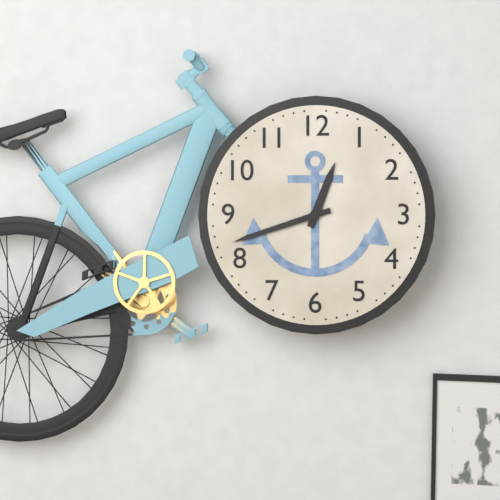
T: **12:42**
